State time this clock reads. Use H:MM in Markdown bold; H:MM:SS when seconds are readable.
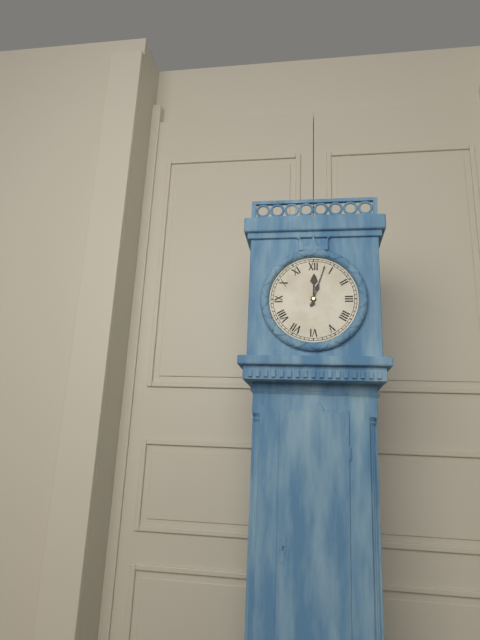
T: **12:03**
